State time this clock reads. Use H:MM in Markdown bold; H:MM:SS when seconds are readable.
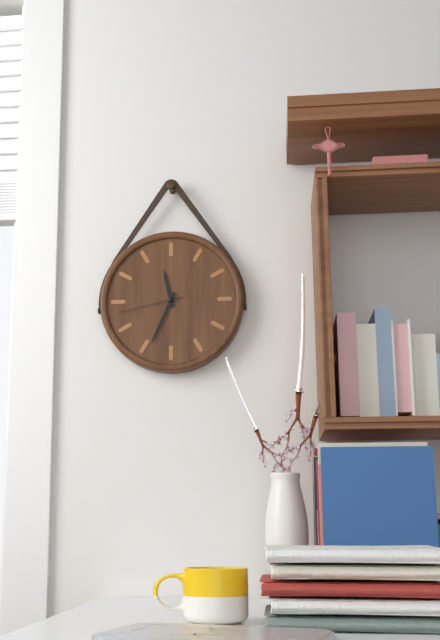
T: **11:34:43**
